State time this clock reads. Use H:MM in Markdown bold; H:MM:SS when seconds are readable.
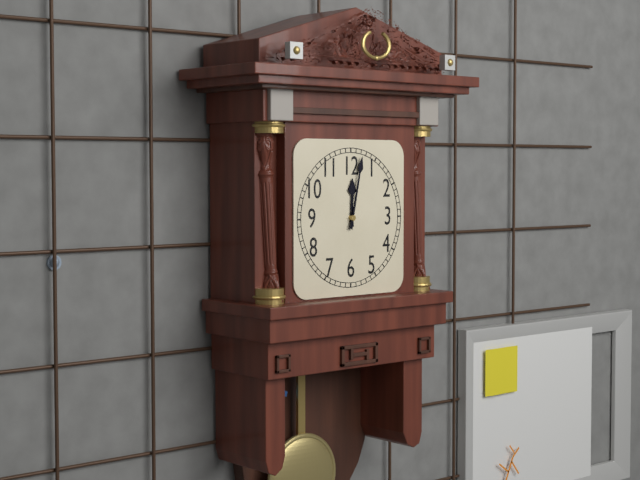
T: **12:02**
